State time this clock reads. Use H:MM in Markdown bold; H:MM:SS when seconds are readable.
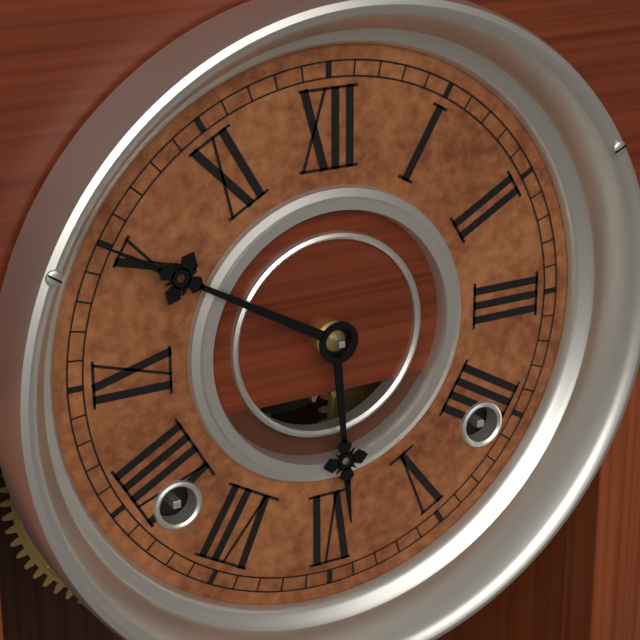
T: **5:50**
